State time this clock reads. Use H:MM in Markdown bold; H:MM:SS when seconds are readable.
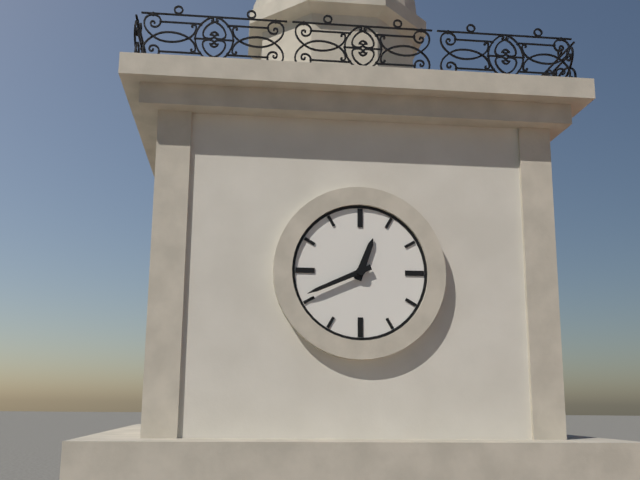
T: **12:41**
